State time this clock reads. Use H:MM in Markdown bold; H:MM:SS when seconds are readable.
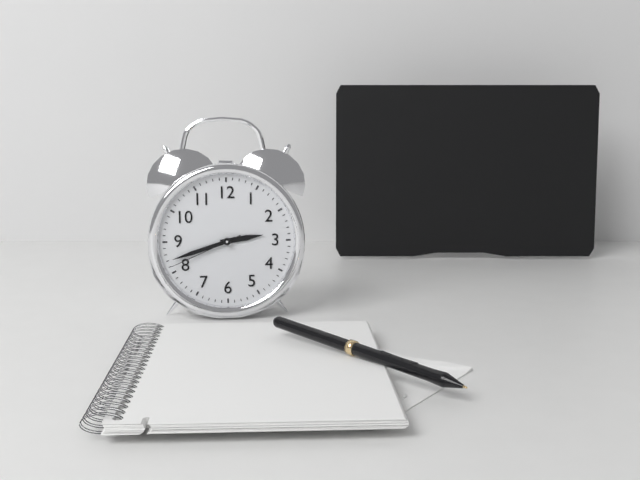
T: **2:42:41**
